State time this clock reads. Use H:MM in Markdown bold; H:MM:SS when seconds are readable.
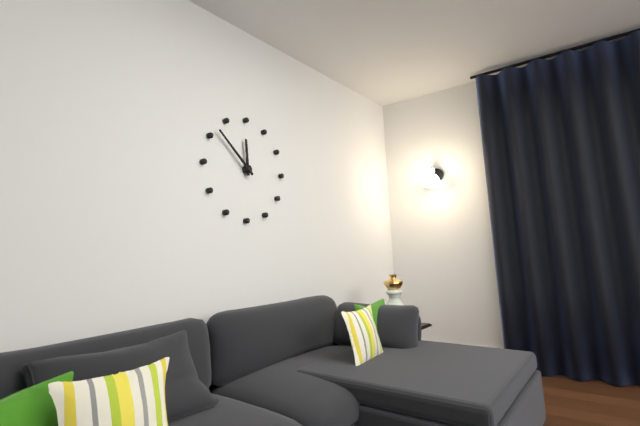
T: **11:52**
